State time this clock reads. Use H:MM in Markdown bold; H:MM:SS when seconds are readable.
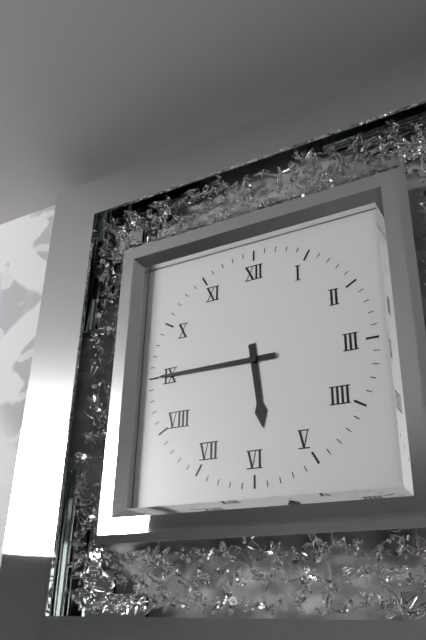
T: **5:45**
